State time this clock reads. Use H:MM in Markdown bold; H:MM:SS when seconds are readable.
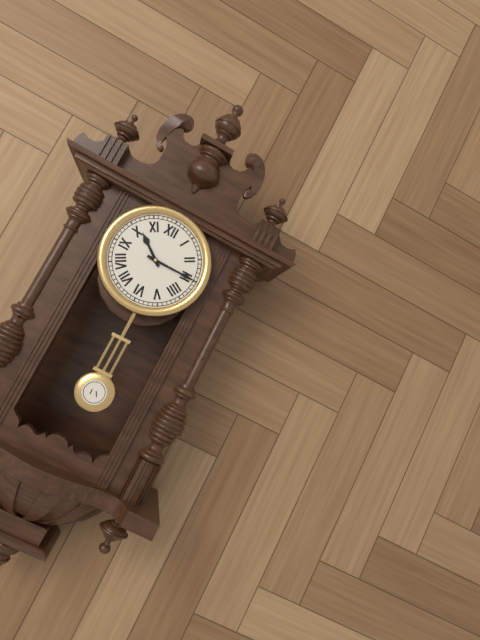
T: **10:15**
